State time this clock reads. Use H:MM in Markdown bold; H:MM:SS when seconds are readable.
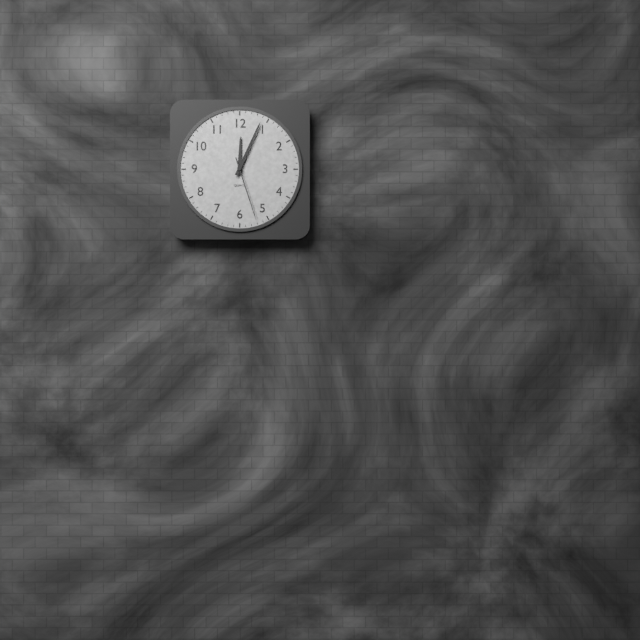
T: **12:04:27**
